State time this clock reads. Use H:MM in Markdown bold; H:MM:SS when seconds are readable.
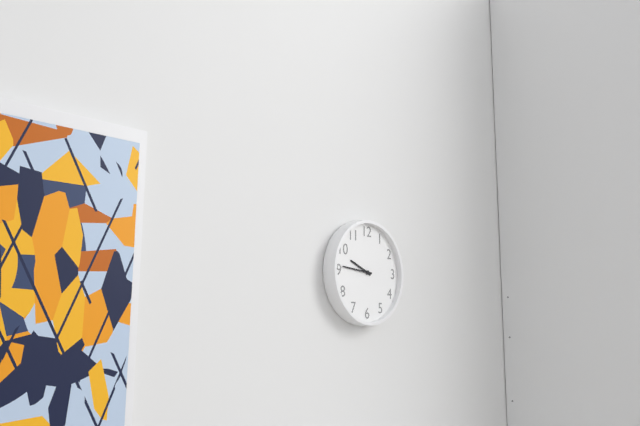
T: **9:46**
